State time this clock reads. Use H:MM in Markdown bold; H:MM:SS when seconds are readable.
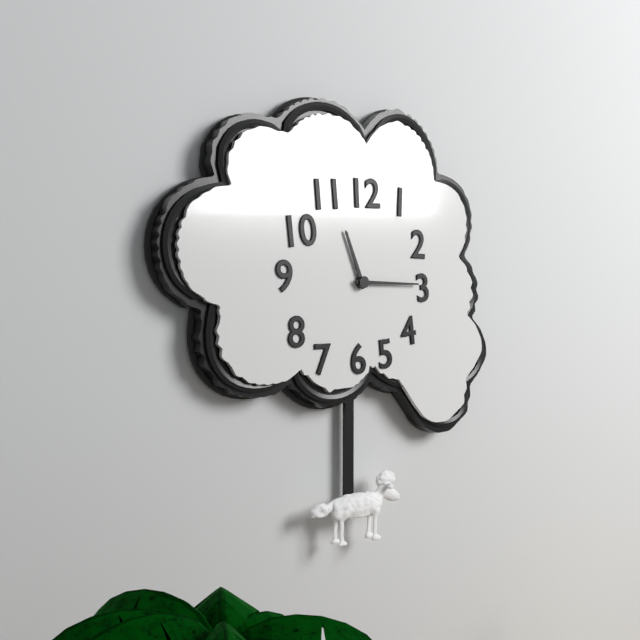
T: **11:15**
